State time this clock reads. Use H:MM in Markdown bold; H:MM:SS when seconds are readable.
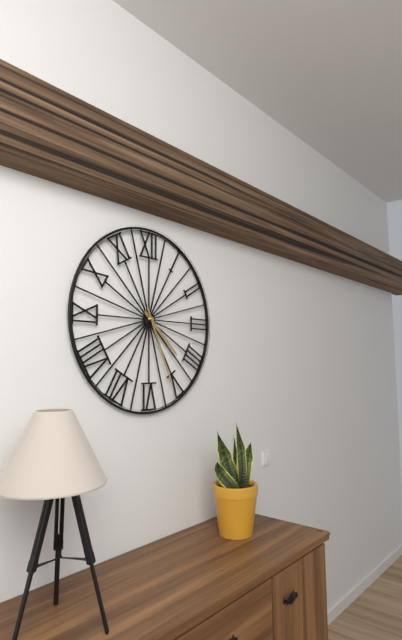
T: **4:26**
